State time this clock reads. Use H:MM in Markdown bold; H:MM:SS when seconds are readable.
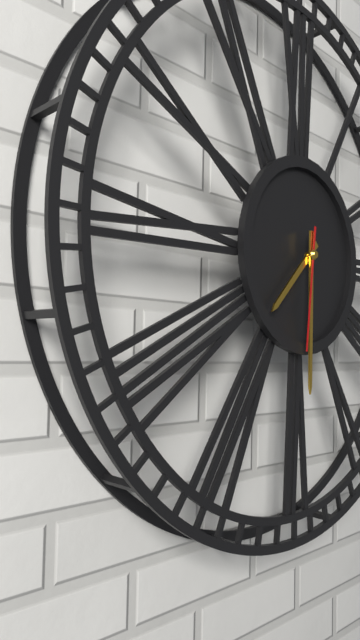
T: **7:30:31**
